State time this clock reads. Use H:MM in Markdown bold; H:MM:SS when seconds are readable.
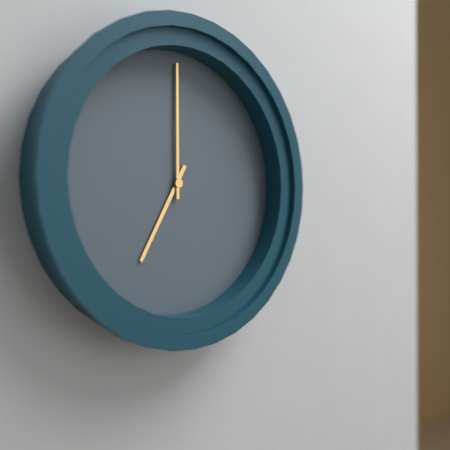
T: **7:00**
